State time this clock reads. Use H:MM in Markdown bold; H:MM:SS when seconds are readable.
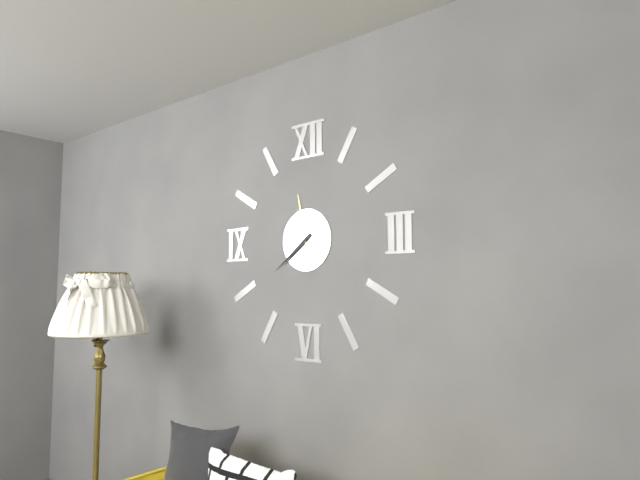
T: **7:39:58**
